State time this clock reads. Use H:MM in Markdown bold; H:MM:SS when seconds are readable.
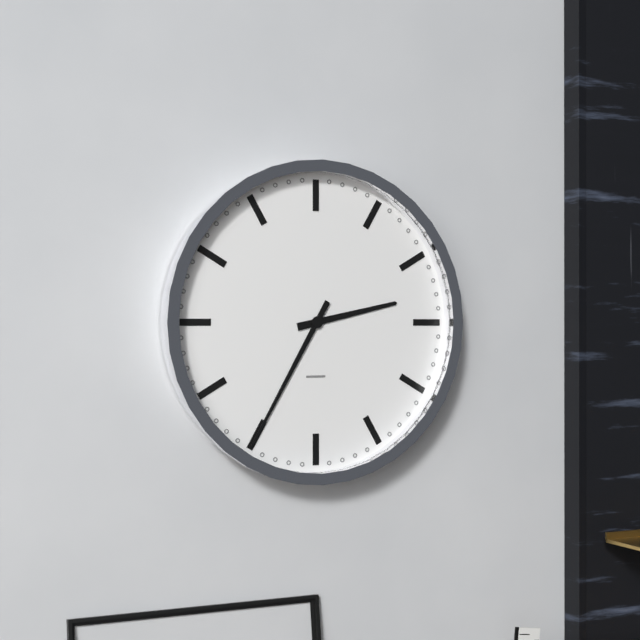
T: **2:35**
